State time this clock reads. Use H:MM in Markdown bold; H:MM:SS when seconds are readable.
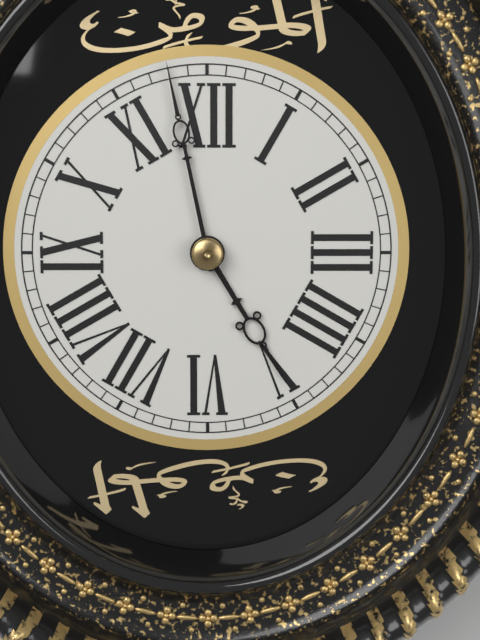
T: **4:58**
